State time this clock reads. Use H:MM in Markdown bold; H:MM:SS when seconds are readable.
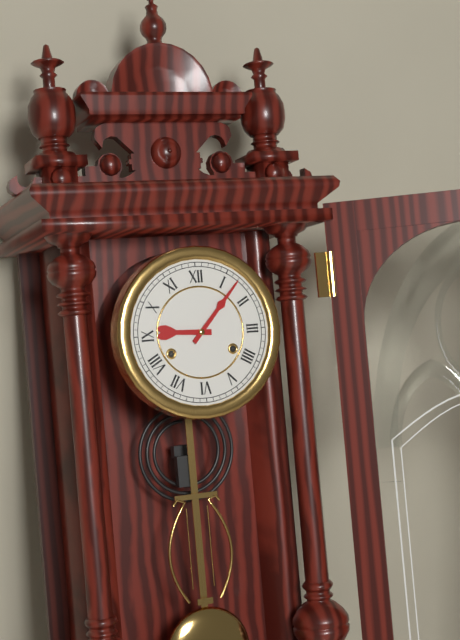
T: **9:07**
